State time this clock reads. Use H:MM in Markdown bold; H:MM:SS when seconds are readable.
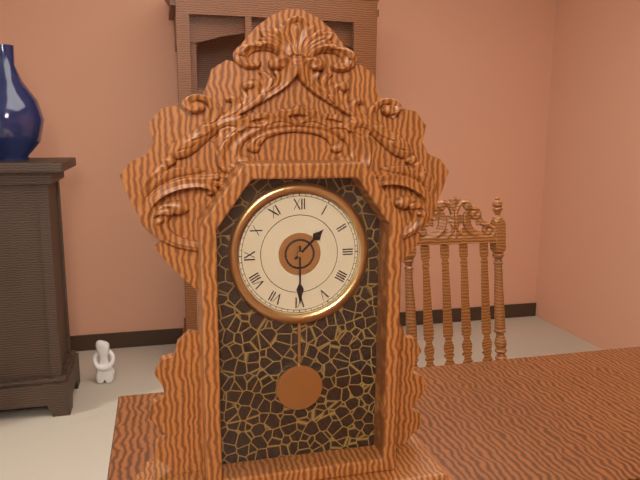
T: **1:30**
